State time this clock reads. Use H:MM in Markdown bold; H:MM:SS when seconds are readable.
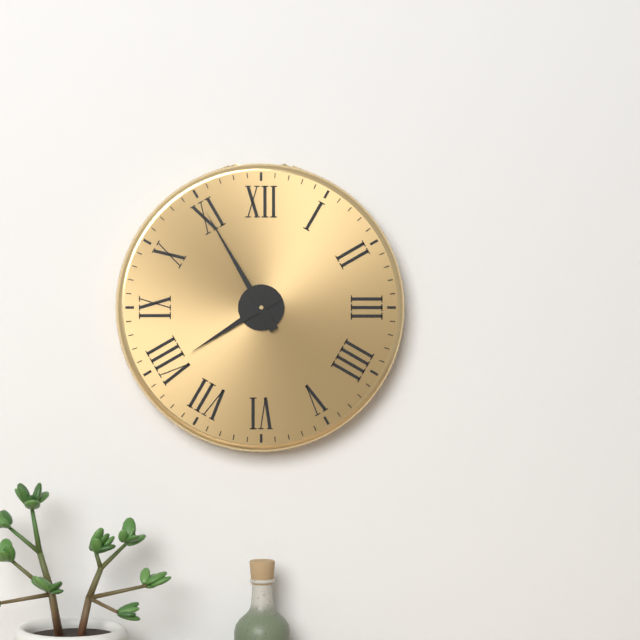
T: **7:55**
